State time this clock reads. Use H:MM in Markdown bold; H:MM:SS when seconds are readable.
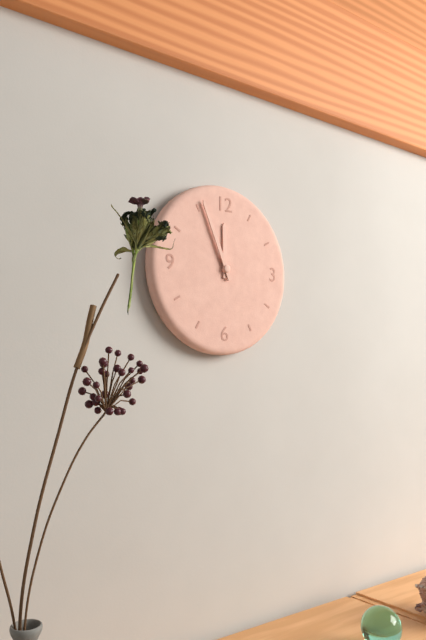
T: **11:56**
